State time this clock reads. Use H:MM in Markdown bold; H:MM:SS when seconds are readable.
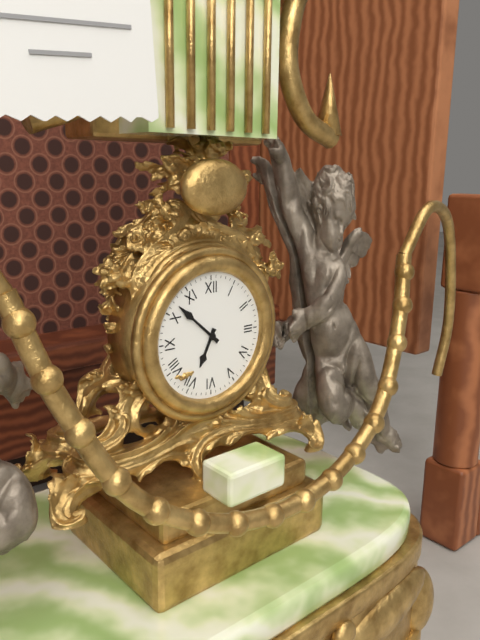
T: **6:52**
